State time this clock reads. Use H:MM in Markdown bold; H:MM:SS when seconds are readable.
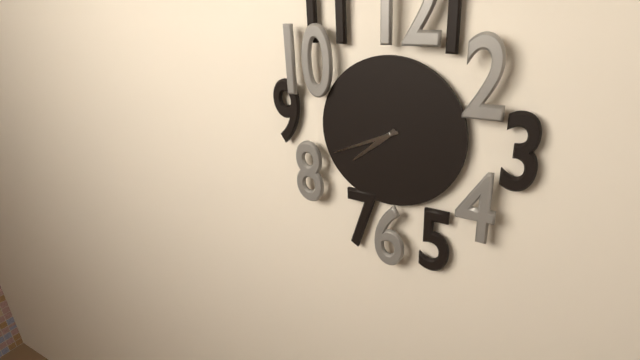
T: **7:41**
